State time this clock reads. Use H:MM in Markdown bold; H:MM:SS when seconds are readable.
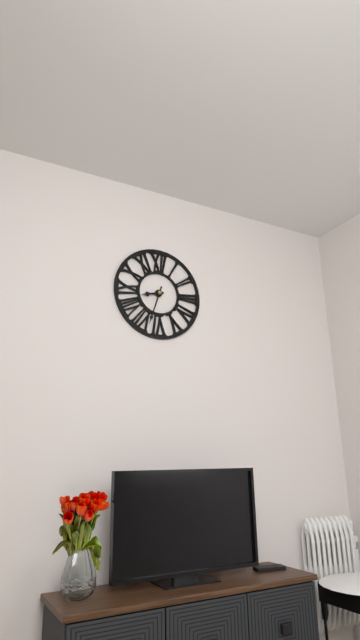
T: **8:33**
